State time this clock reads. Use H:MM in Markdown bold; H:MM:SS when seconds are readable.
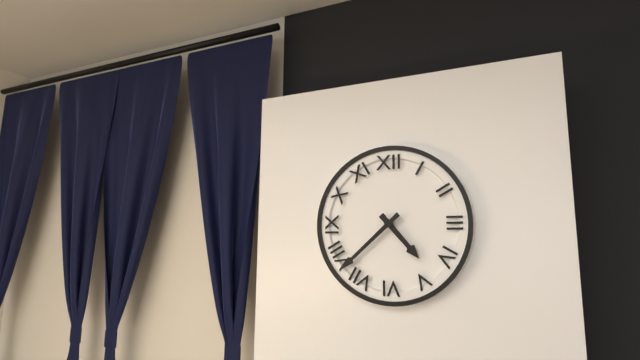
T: **4:38**
